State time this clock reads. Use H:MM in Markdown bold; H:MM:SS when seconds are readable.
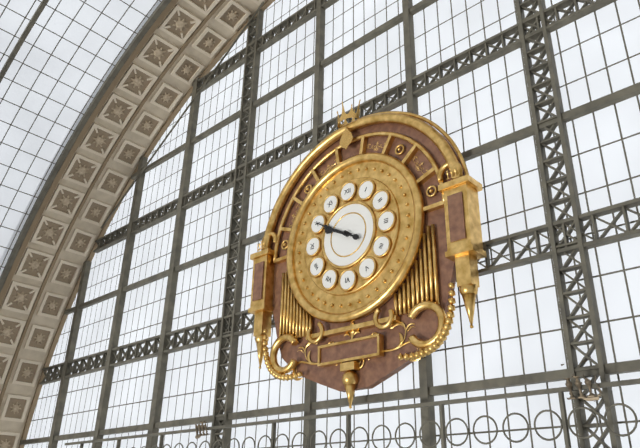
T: **9:50**
